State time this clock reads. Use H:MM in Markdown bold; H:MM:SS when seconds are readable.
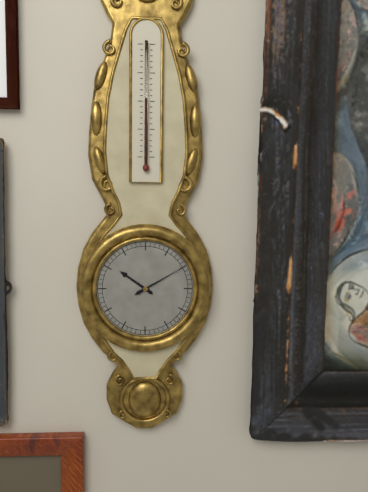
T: **10:10**
